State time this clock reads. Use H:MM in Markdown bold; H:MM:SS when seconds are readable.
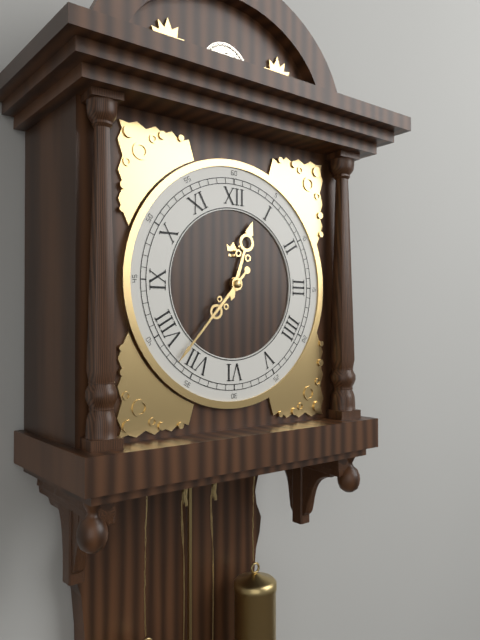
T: **12:37**
